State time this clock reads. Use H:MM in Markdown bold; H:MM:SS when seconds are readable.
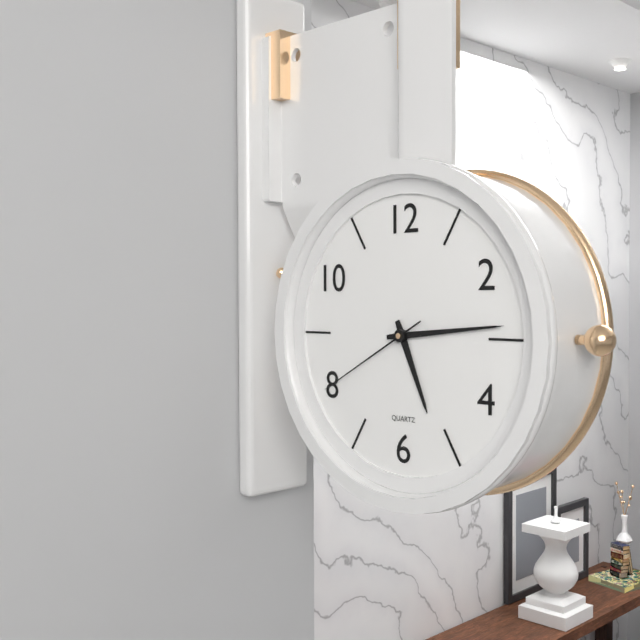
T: **5:14:40**
